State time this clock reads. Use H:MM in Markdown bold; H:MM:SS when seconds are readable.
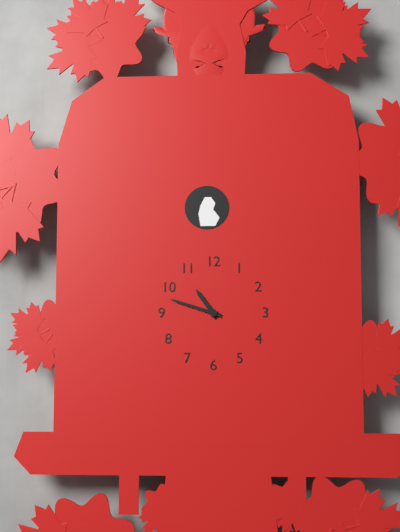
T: **10:48**
